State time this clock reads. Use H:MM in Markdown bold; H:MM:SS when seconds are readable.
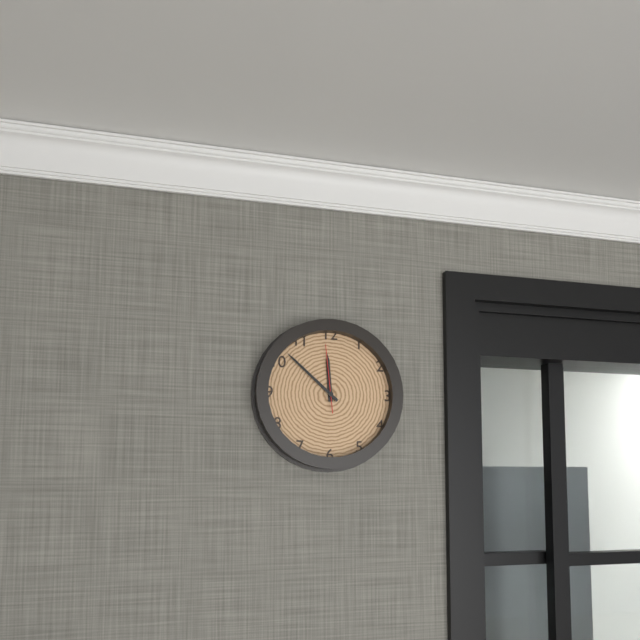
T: **11:52:59**
